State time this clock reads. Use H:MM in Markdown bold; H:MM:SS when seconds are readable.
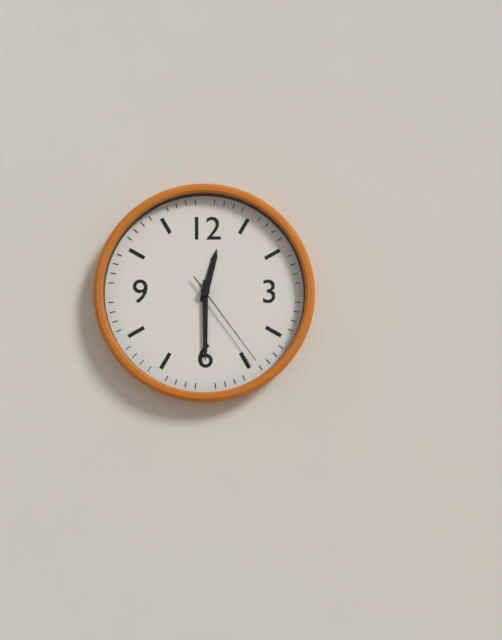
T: **12:30:24**
